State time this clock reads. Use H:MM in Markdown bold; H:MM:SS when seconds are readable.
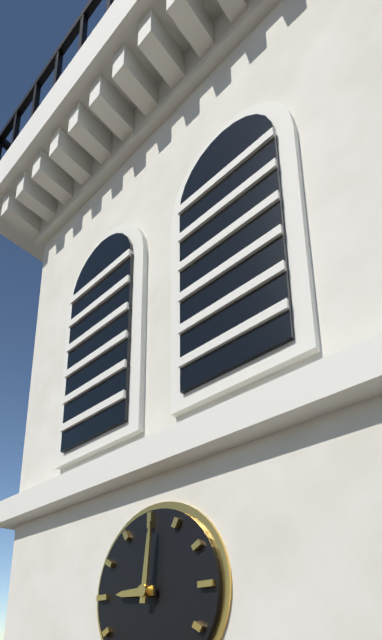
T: **9:01**
